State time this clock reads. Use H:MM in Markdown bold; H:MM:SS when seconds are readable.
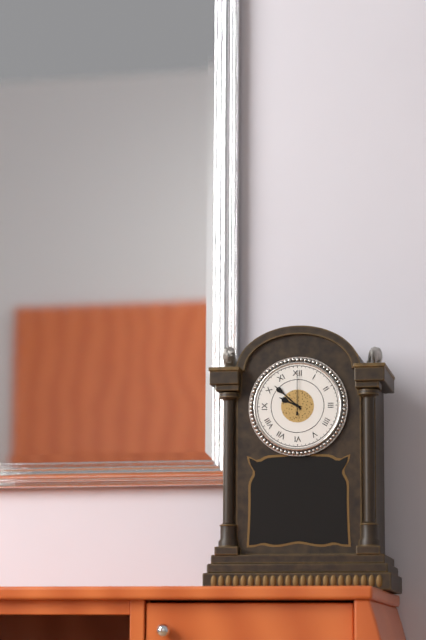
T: **9:52**
